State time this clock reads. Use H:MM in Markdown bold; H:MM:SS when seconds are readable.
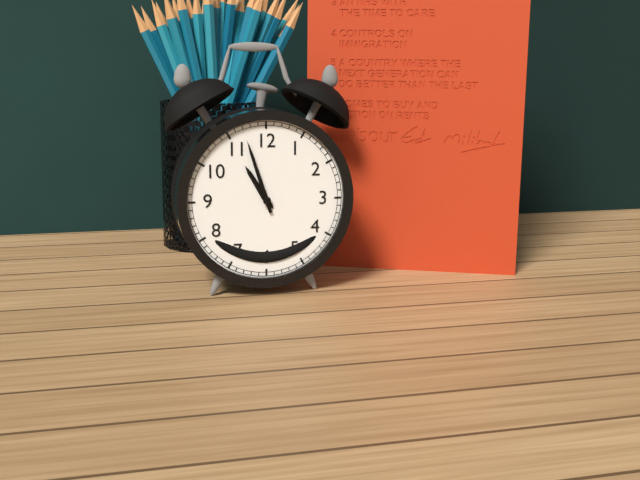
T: **10:57**
